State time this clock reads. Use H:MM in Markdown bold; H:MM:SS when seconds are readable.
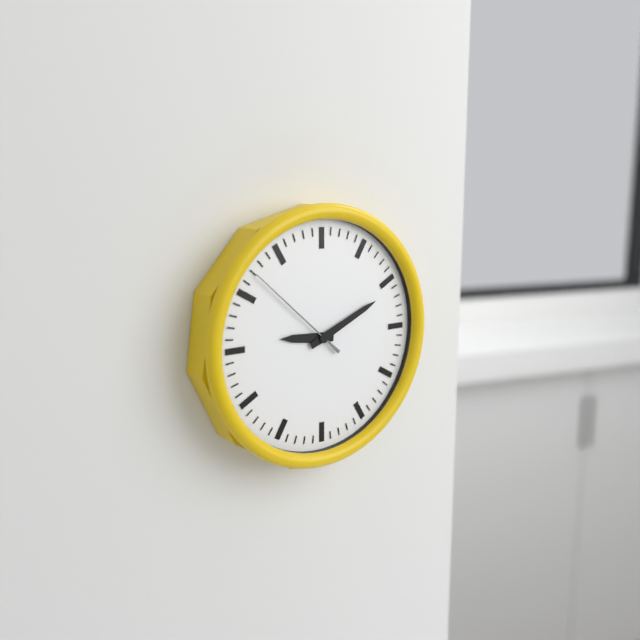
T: **9:11:52**
